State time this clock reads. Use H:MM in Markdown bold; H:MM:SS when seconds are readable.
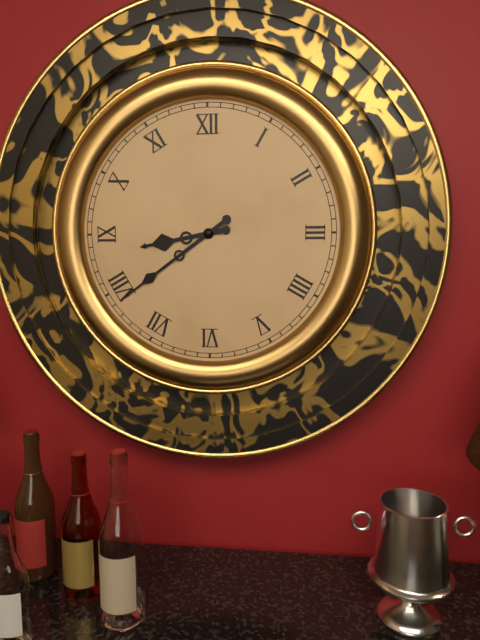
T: **8:39**
